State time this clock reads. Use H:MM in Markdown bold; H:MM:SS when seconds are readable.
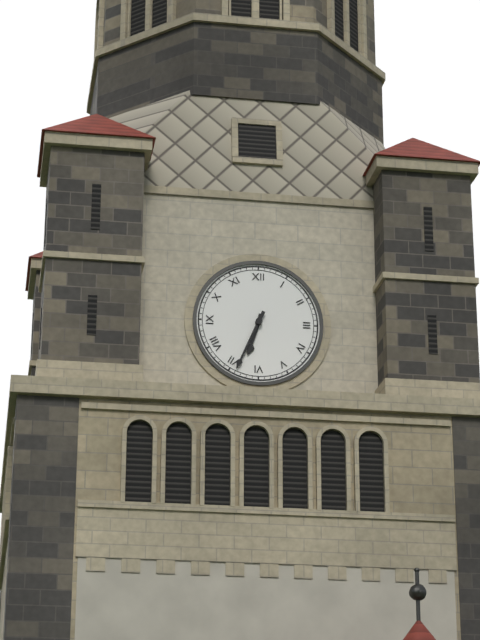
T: **6:34**
